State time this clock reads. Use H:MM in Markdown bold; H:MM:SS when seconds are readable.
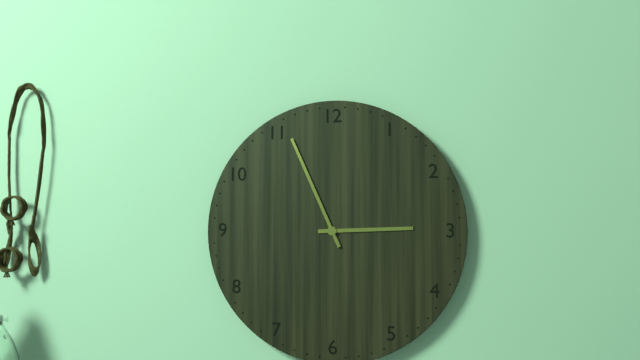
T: **2:56**
